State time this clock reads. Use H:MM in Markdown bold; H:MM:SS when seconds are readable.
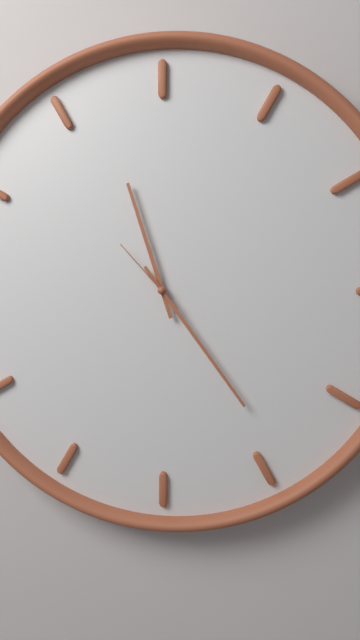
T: **11:24:53**
